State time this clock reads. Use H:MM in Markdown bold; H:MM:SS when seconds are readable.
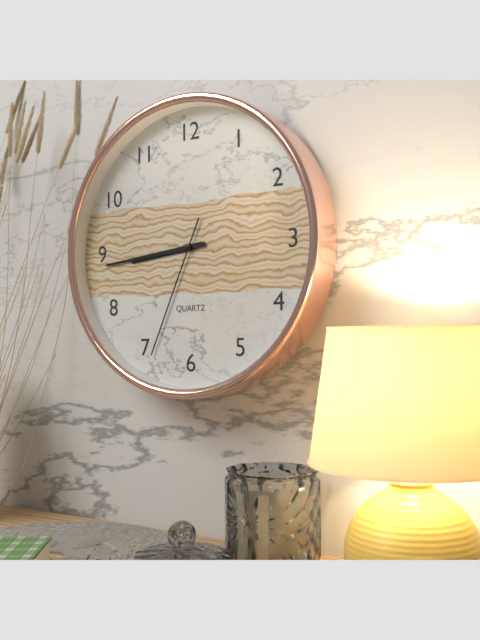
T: **8:44:34**
